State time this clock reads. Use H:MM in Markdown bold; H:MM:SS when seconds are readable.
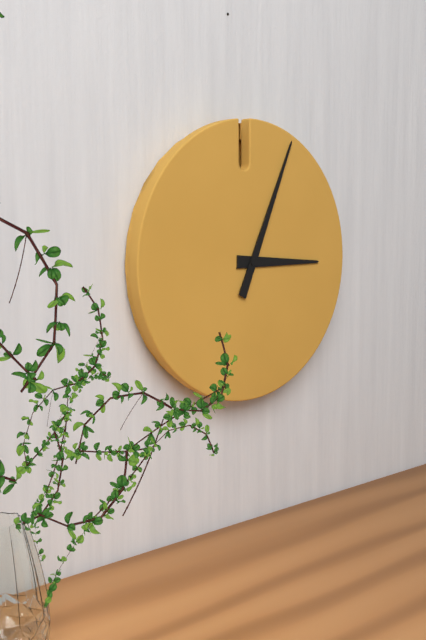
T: **3:04**
